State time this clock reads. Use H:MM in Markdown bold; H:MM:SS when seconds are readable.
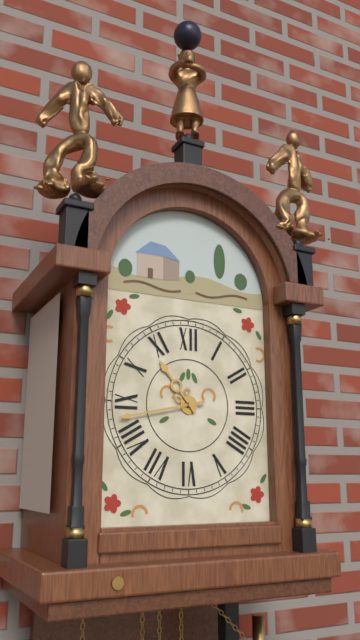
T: **10:43**
